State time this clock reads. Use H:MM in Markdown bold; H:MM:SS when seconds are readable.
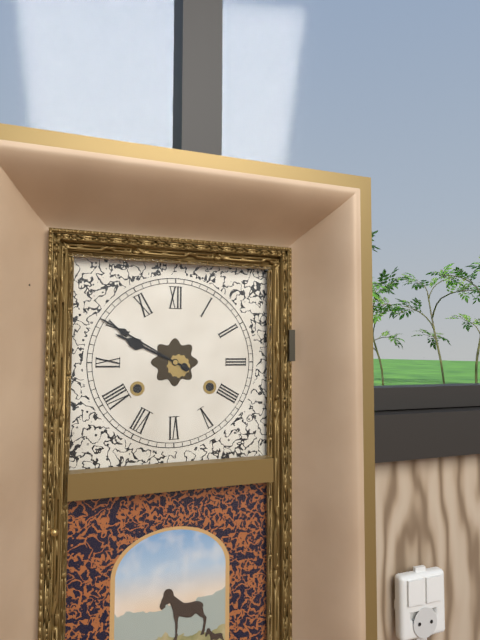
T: **9:50**
